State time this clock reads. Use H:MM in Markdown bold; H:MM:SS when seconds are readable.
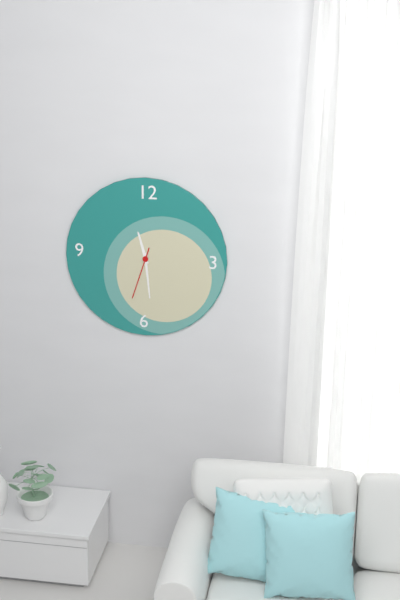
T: **11:29:33**
